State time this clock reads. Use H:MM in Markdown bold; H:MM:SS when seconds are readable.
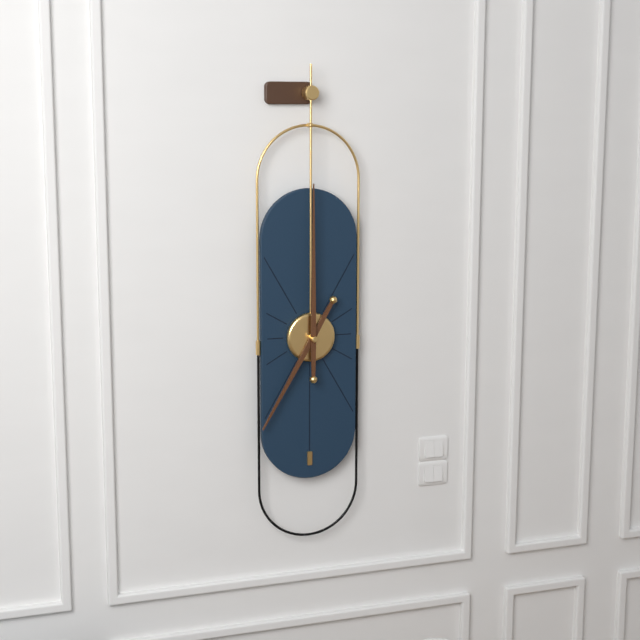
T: **7:00**
